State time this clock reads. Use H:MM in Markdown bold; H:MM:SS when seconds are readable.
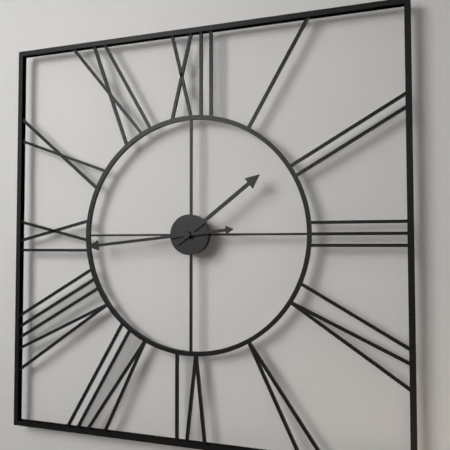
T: **1:44**
